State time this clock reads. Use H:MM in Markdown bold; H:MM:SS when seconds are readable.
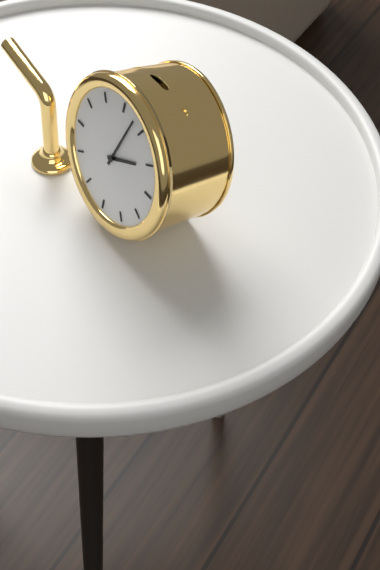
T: **2:03**
